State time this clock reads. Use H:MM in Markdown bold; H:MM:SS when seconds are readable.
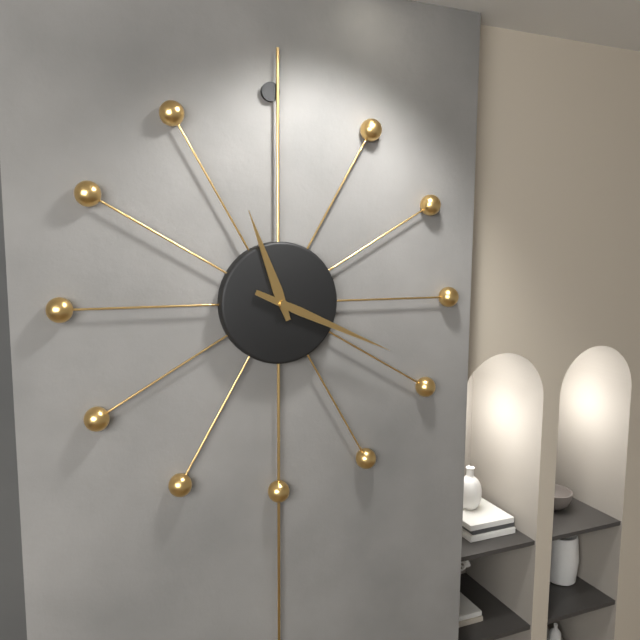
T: **11:19**
